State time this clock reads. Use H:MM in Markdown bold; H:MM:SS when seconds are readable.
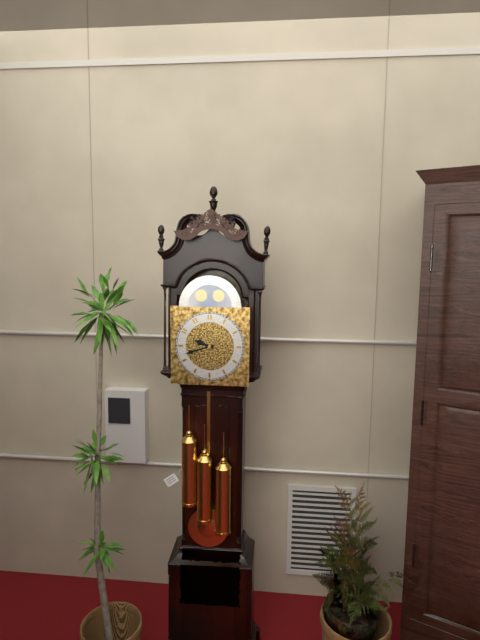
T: **9:42**
